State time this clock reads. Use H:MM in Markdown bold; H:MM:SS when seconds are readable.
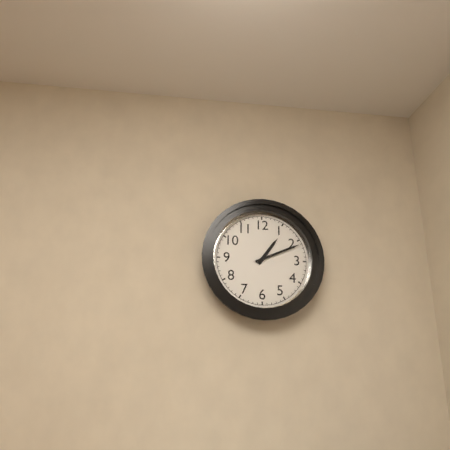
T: **1:11**
